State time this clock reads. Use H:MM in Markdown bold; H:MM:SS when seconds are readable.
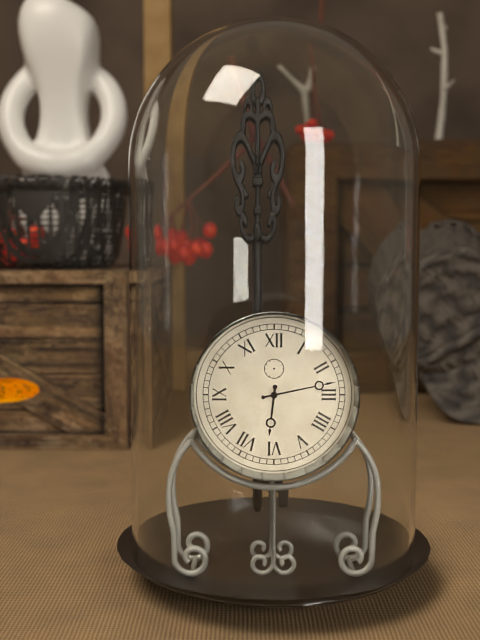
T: **6:13**
